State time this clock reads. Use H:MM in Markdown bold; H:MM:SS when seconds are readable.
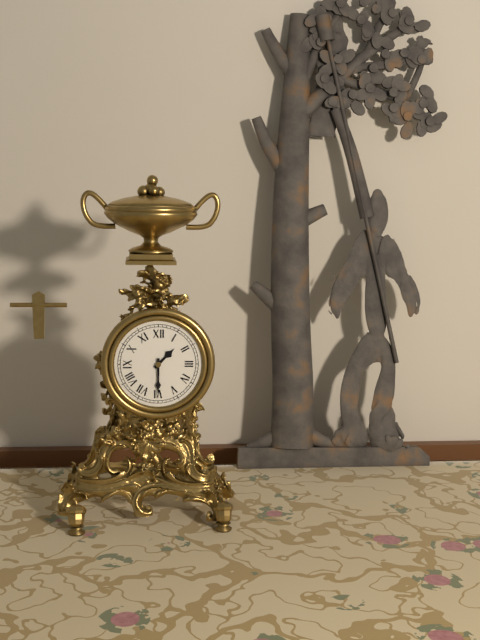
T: **1:30**
